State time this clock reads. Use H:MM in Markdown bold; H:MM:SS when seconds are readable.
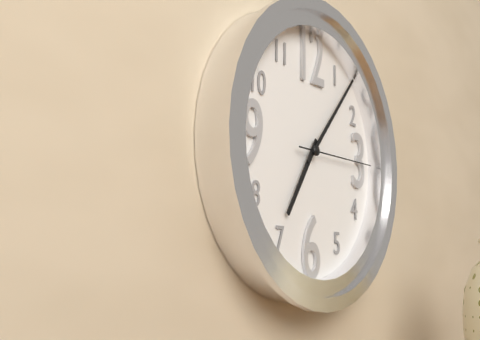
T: **7:07:15**
